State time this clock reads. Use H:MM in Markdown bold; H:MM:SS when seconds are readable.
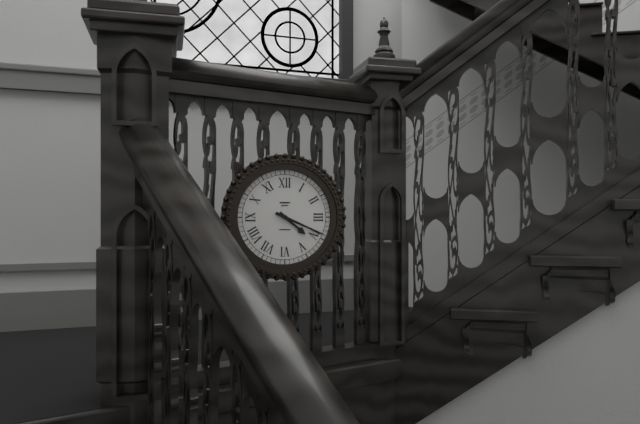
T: **4:19**
